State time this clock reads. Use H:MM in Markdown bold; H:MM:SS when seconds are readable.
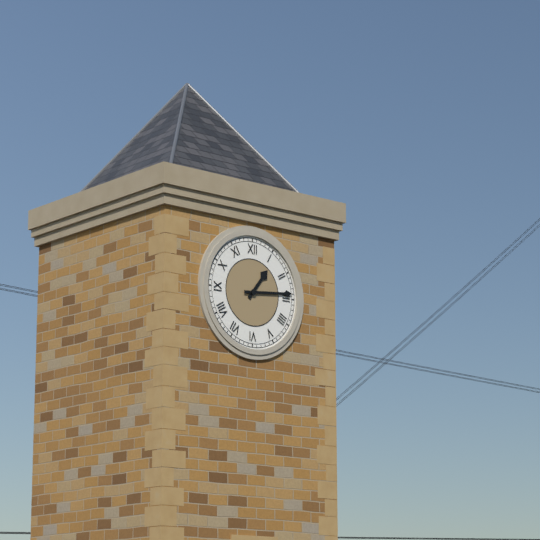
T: **1:14**
